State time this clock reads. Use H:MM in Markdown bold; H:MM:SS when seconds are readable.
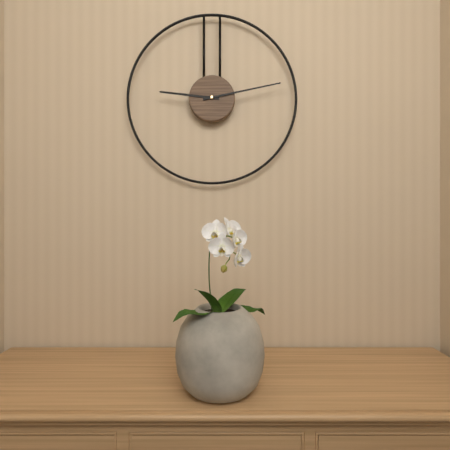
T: **9:13**
